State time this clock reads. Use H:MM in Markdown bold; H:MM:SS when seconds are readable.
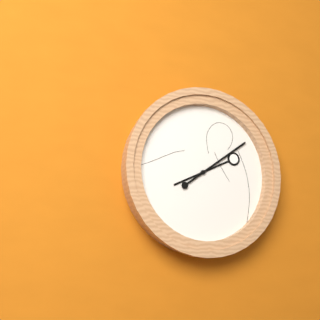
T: **8:09**
